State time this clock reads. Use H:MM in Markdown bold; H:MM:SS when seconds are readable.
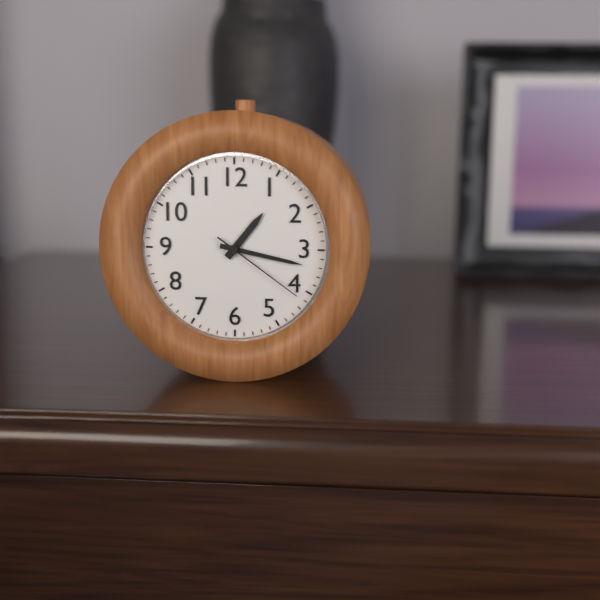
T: **1:17:21**
